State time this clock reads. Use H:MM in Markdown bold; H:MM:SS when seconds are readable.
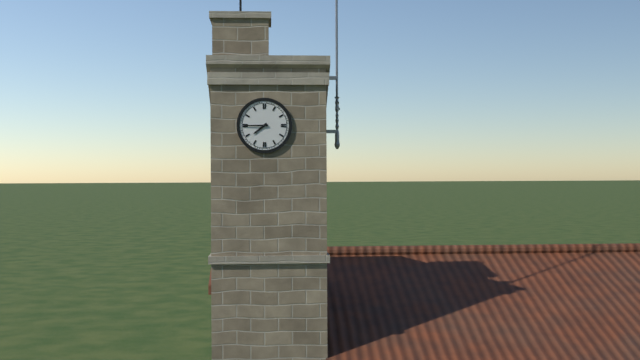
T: **7:45**
